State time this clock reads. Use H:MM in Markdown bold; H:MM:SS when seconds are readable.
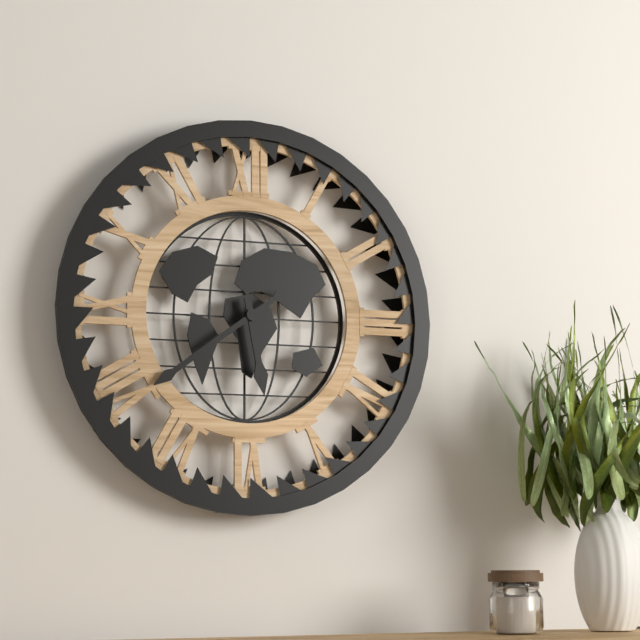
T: **5:39**
